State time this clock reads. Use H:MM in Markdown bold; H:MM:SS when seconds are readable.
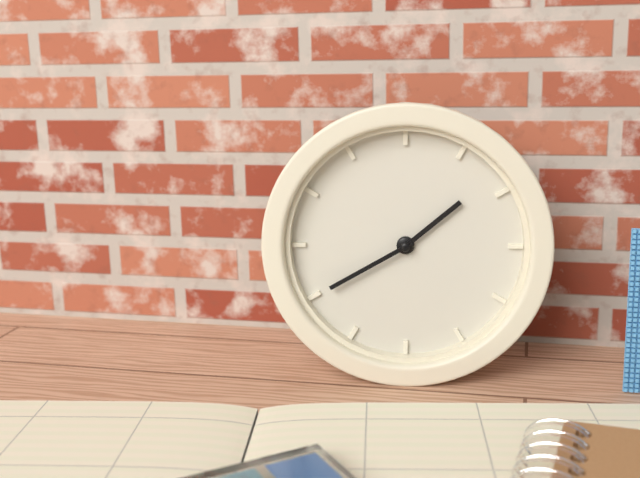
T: **1:40**
